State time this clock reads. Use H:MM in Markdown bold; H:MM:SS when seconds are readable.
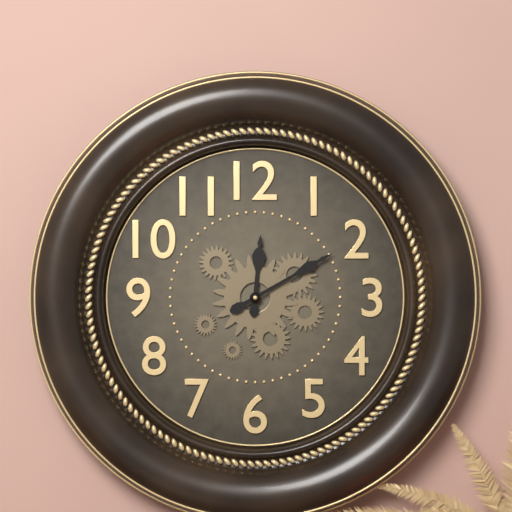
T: **12:10**
